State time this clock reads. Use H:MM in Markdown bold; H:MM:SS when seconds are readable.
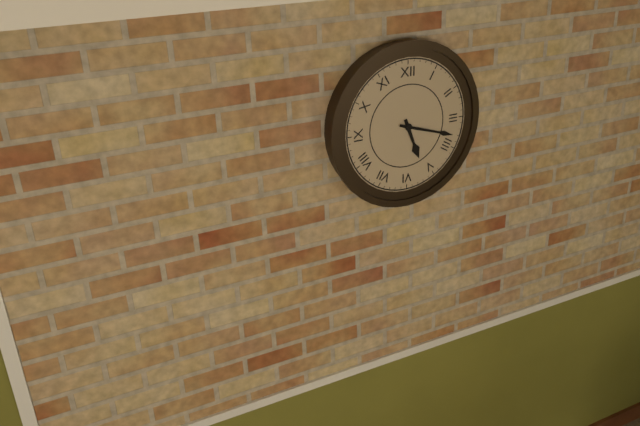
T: **5:18**
